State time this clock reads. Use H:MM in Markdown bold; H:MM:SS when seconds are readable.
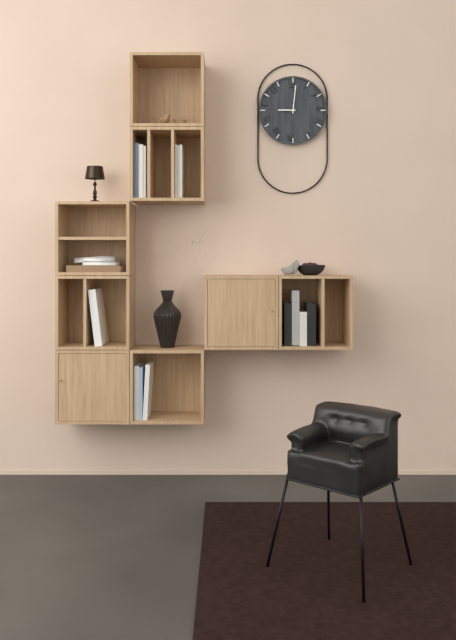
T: **9:01**
